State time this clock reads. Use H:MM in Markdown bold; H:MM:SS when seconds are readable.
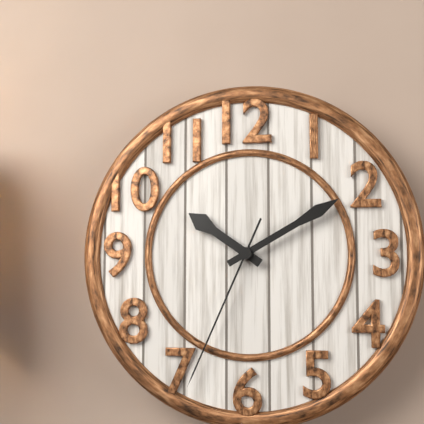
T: **10:10:34**
